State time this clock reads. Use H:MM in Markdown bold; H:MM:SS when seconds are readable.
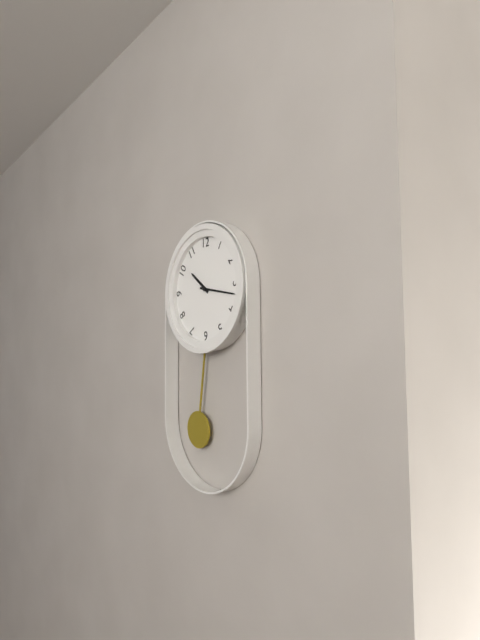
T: **10:17**
